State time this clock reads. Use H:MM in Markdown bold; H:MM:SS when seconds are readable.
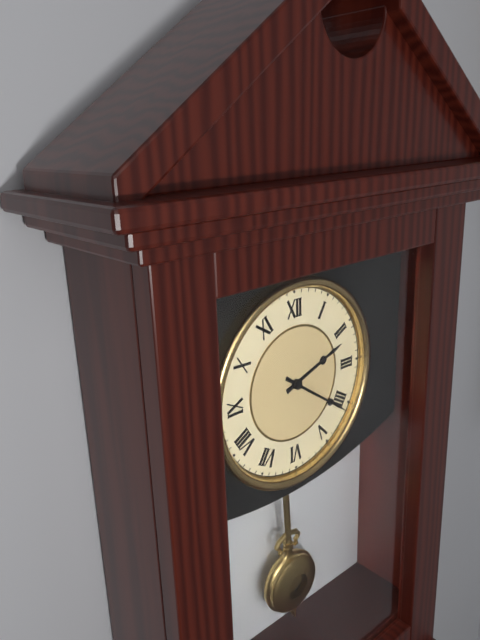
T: **2:21**
